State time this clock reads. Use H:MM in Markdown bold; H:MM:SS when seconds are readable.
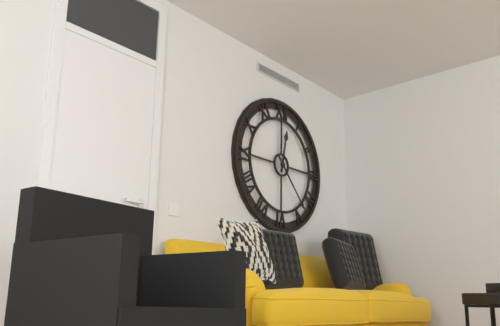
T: **12:23**
